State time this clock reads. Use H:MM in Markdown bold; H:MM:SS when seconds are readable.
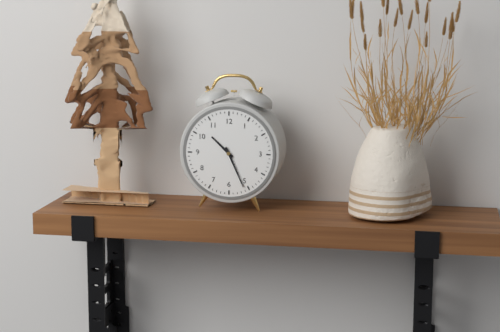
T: **10:26**
